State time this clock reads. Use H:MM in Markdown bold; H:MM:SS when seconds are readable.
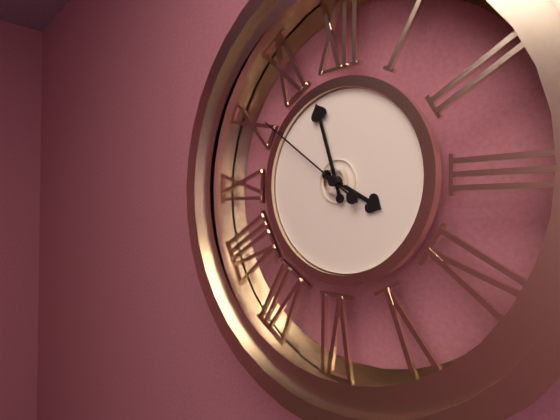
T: **3:57:51**
